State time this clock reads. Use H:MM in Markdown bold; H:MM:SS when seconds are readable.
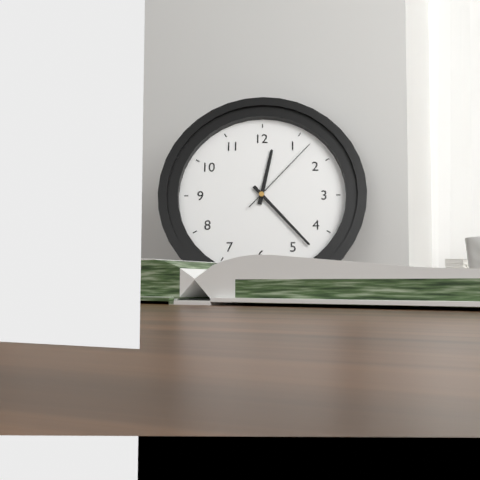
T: **12:23:07**
